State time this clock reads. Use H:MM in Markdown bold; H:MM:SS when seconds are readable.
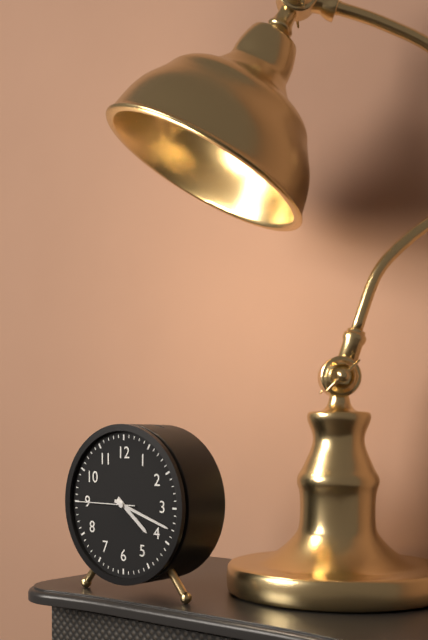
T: **4:18:45**
